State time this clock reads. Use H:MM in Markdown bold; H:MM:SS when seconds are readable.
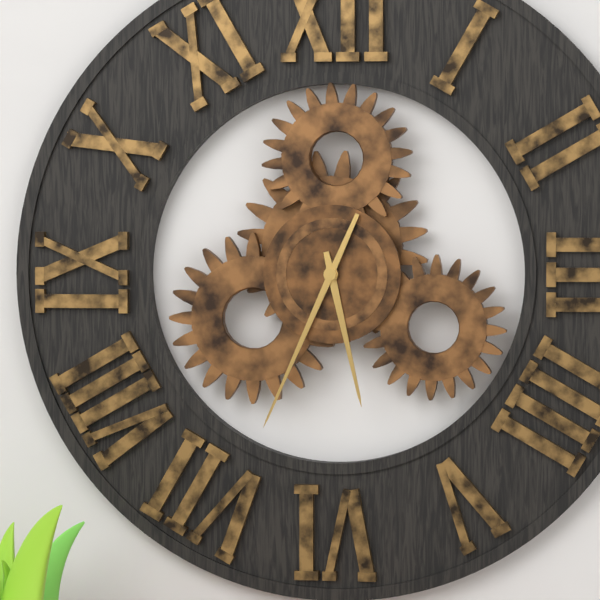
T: **5:34**
